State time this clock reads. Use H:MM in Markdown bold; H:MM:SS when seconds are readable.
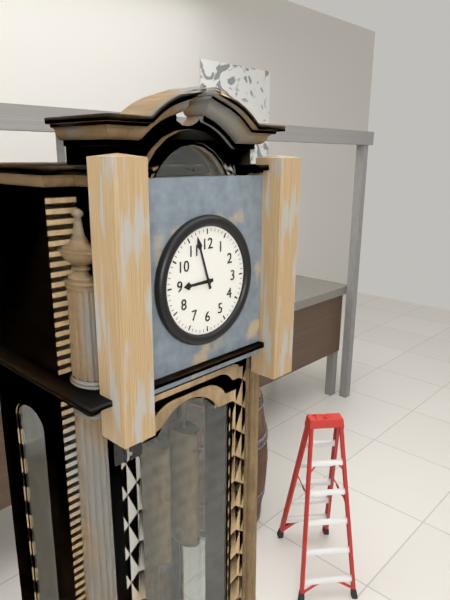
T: **8:57**
